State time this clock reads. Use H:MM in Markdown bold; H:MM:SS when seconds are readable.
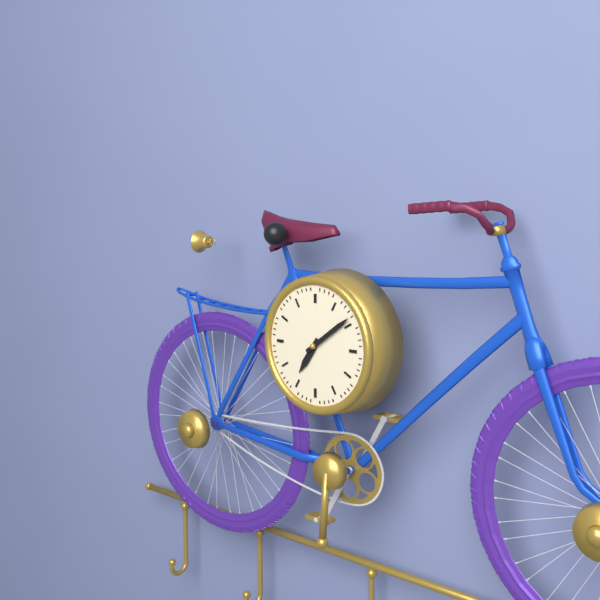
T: **7:09**
